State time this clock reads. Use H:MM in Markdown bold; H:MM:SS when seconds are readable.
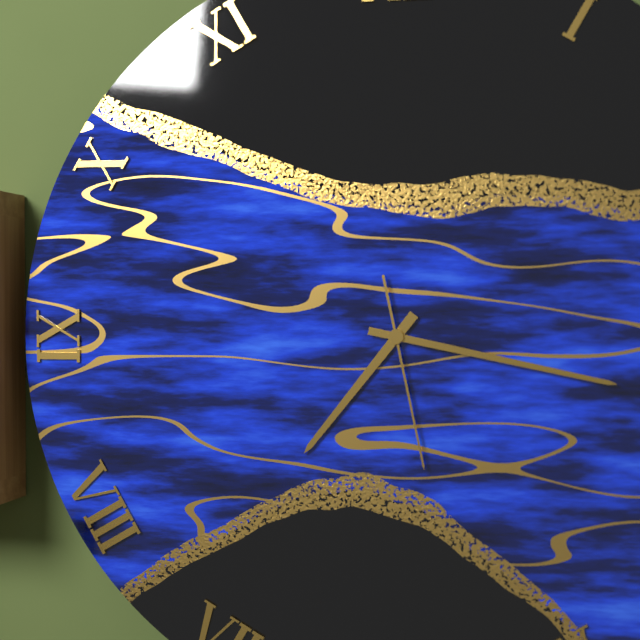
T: **7:17:28**
